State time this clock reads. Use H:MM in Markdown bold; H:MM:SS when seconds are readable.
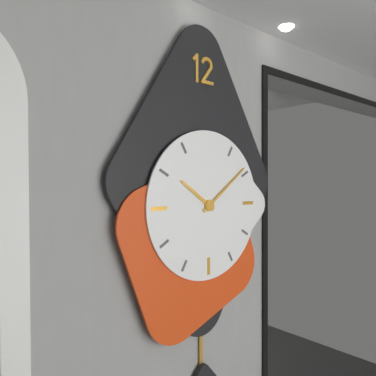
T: **10:09**
